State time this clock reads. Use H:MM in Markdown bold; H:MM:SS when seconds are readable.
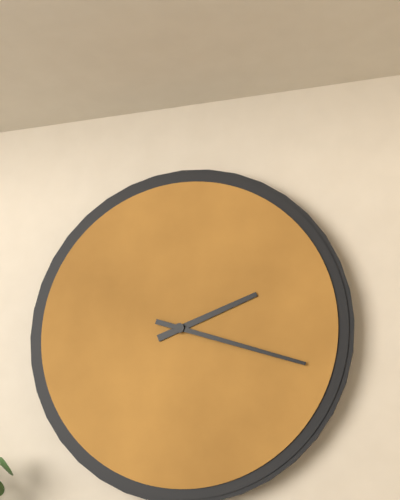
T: **2:18**
